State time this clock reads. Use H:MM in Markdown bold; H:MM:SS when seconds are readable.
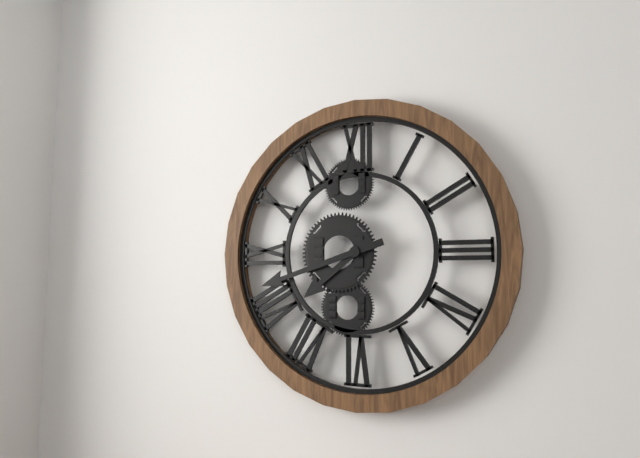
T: **7:42**
